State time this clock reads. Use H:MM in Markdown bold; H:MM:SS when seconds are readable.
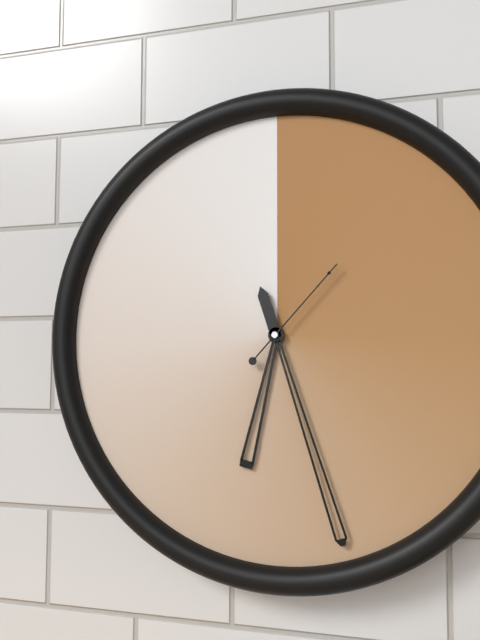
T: **6:27:07**
